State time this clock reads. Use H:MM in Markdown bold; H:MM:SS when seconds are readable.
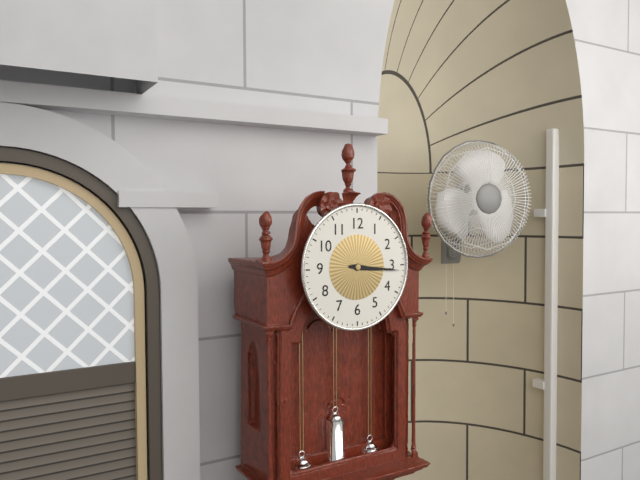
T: **3:16**
